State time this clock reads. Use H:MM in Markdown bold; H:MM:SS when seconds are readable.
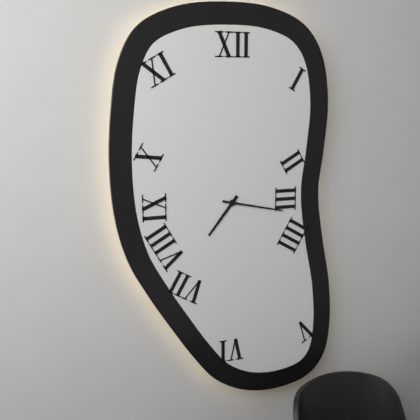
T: **7:17**
